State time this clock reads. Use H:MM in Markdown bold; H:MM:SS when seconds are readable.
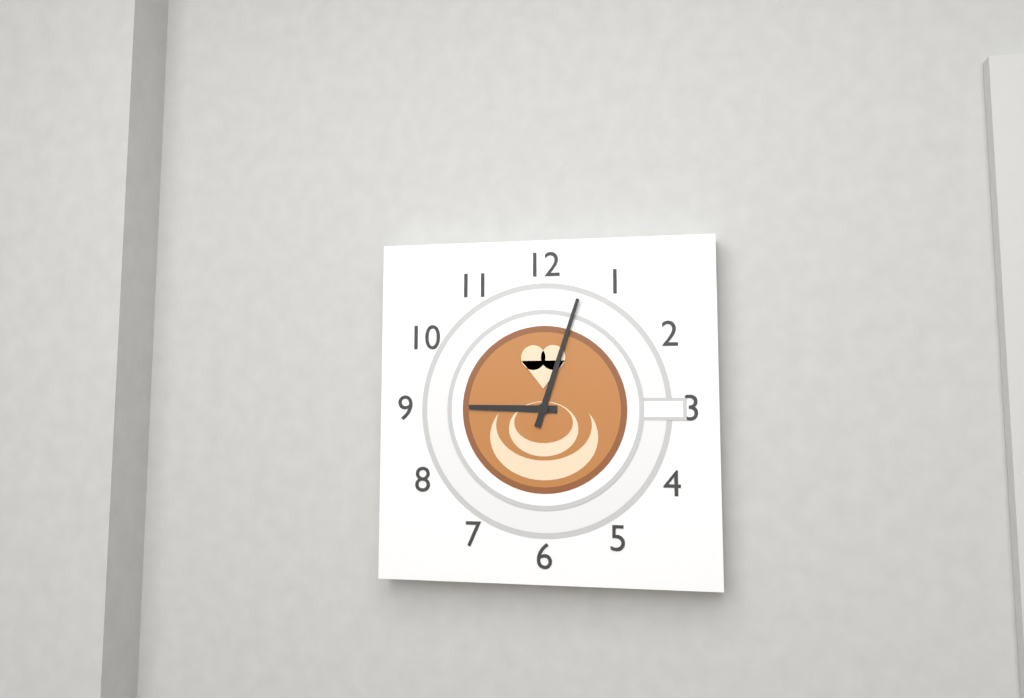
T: **9:03**
